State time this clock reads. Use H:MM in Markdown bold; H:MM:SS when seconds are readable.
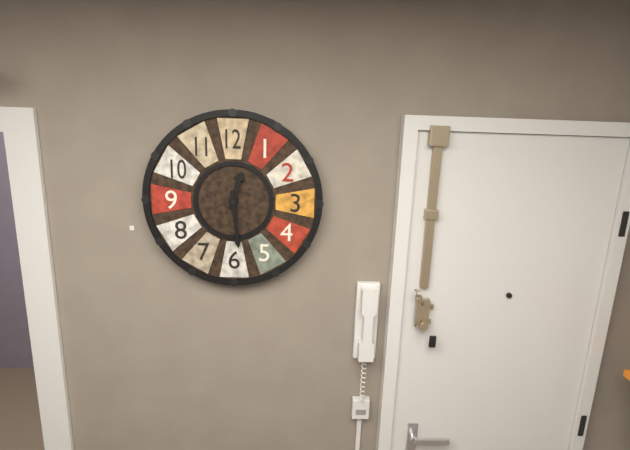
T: **12:29**
